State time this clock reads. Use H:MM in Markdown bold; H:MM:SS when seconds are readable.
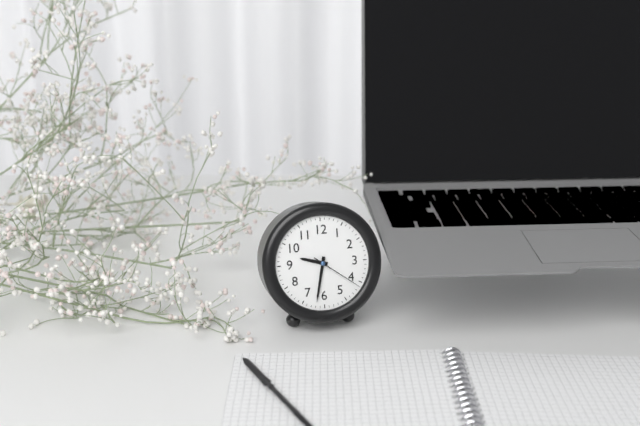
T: **9:32:21**
